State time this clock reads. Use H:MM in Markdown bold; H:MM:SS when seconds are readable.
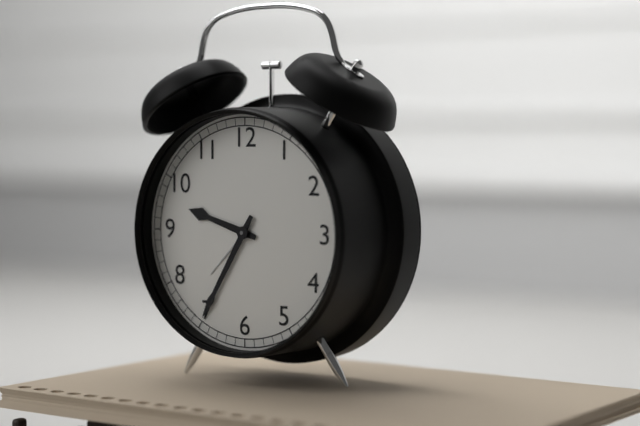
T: **9:35**
